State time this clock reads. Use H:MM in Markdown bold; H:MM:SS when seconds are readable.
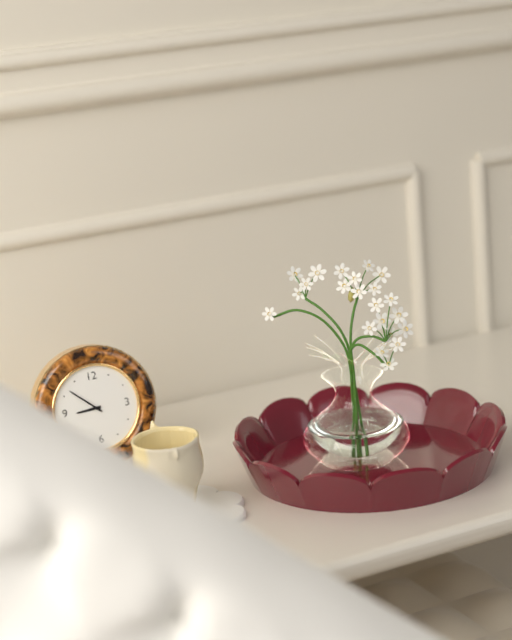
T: **8:52**
